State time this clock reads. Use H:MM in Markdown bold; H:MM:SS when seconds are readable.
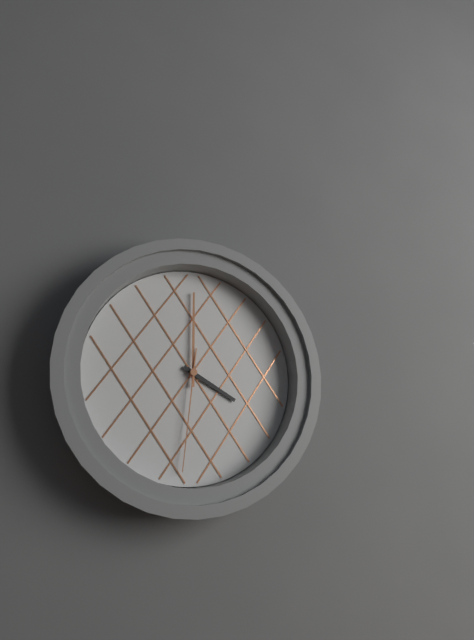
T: **4:00:31**
